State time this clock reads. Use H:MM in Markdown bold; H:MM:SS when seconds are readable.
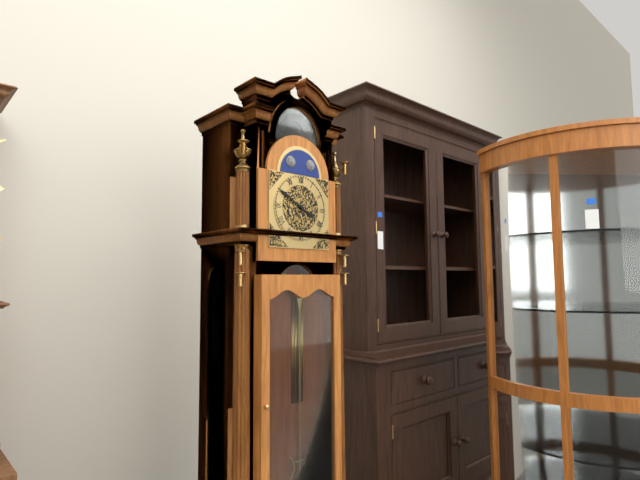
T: **3:50**
